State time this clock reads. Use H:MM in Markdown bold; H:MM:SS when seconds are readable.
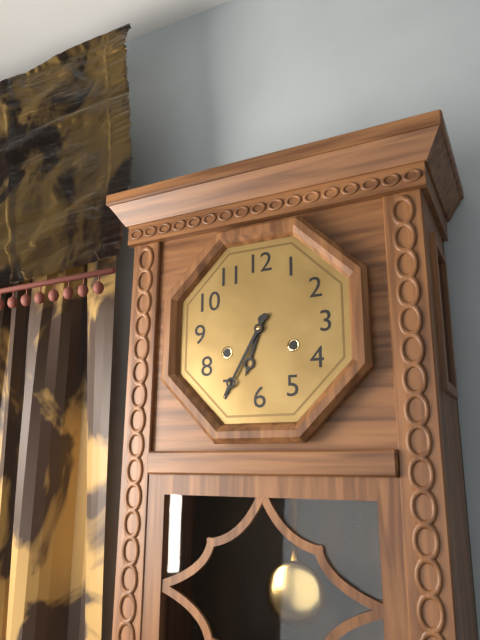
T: **6:35**
